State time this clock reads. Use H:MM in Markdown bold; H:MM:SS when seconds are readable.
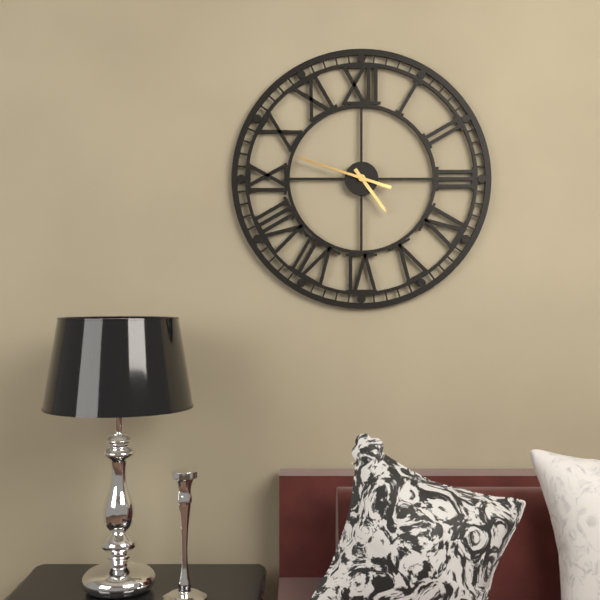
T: **4:48**
